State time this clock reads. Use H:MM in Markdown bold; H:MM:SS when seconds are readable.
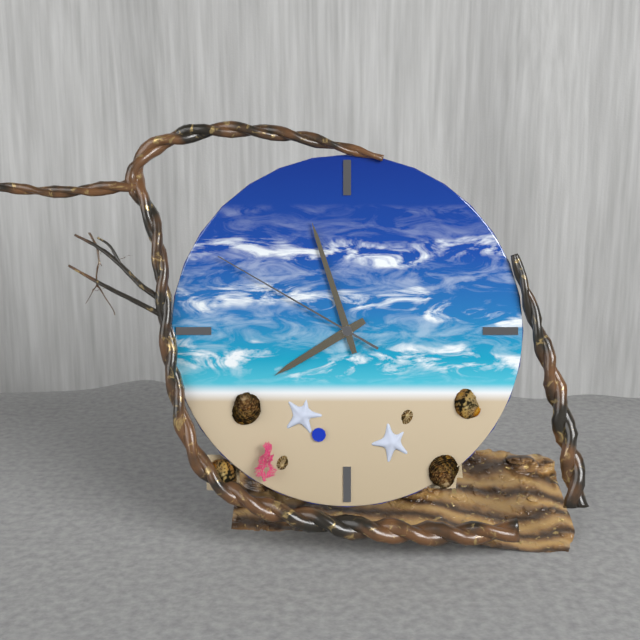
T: **7:57:50**
